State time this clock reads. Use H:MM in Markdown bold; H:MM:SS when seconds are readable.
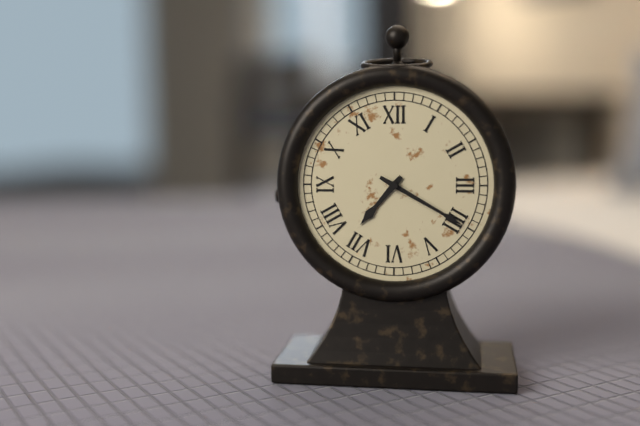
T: **7:20**
